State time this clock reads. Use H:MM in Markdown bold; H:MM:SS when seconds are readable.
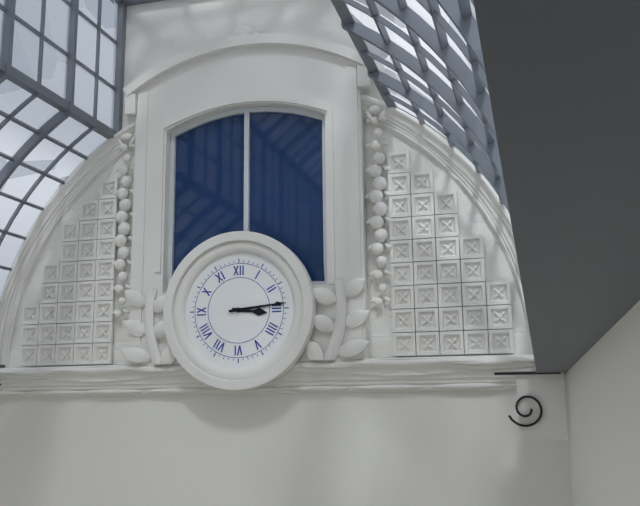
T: **3:14**
